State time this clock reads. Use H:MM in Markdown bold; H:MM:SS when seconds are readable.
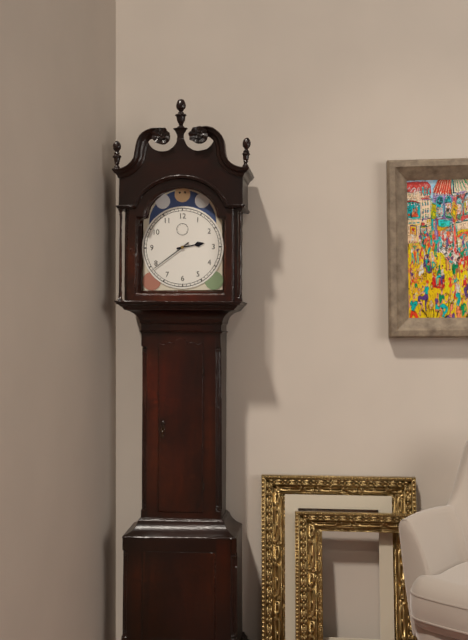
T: **2:39**
